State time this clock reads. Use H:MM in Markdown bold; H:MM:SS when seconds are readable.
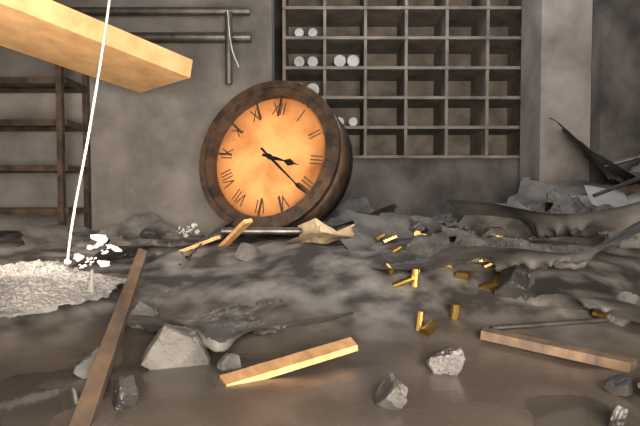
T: **3:21**
